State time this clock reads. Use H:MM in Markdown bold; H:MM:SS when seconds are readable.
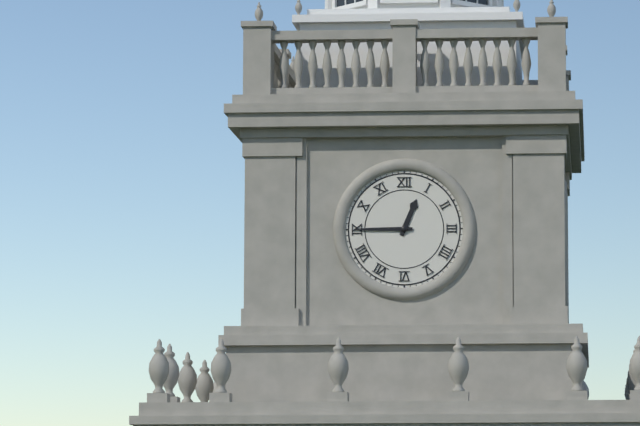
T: **12:45**
